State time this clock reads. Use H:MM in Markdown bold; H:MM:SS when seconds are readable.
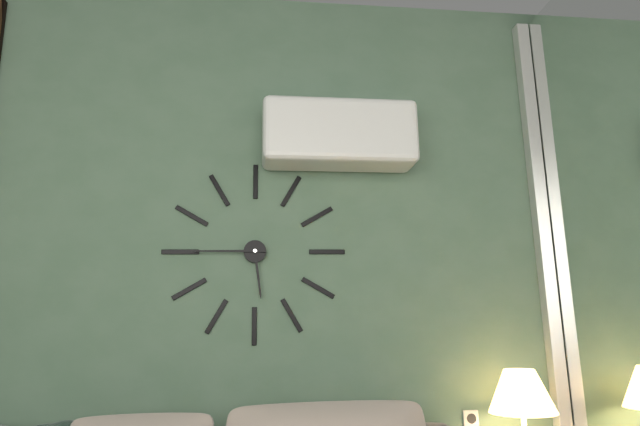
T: **5:45**
